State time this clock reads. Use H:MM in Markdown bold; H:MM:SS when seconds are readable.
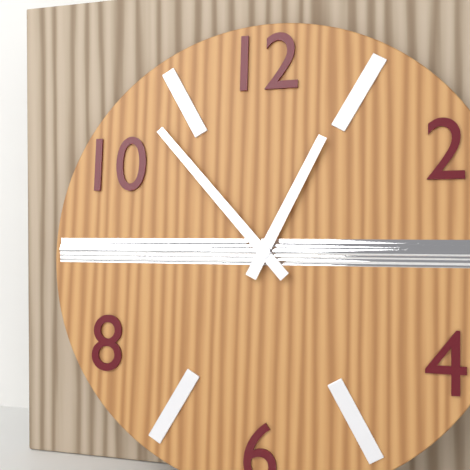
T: **12:53**
